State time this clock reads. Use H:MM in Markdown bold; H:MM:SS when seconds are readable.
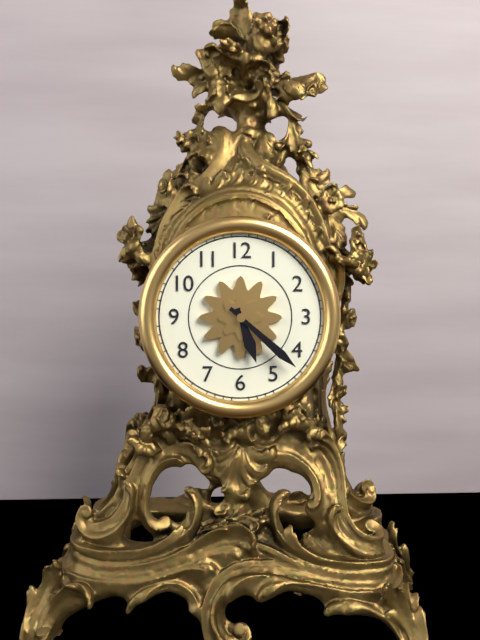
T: **5:22**
